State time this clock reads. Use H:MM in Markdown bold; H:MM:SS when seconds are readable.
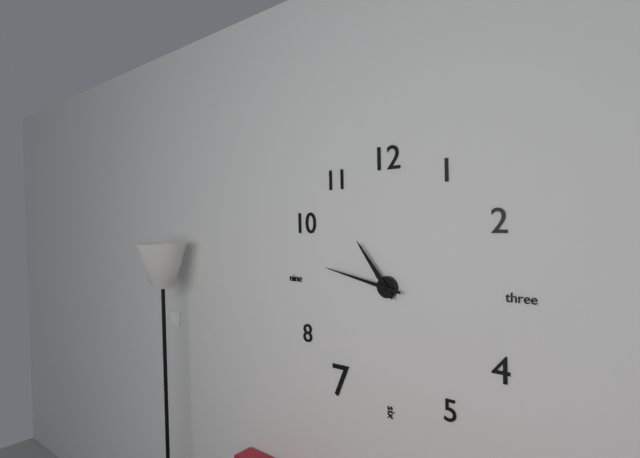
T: **10:47**
